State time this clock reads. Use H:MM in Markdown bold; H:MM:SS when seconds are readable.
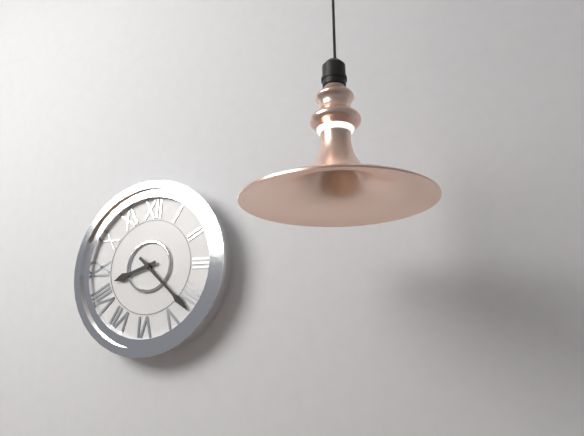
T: **8:22**
